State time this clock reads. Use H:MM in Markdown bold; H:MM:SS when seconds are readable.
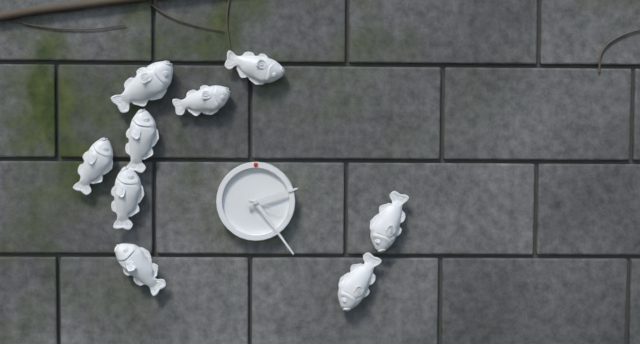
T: **2:24**
